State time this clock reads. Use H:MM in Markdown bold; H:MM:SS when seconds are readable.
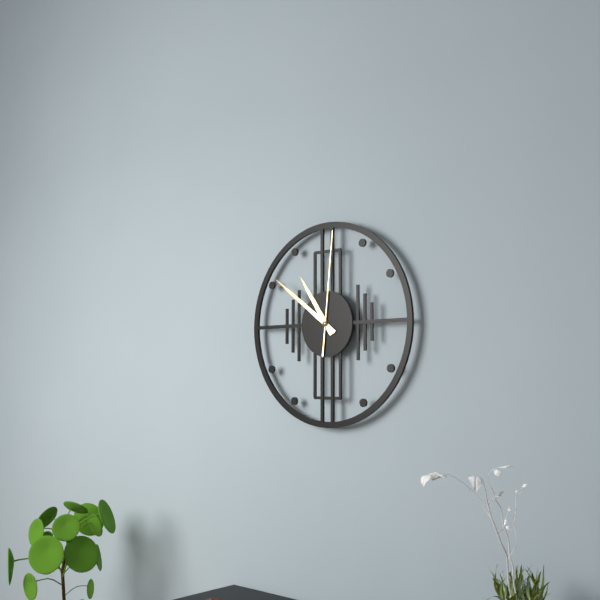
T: **10:51:01**
